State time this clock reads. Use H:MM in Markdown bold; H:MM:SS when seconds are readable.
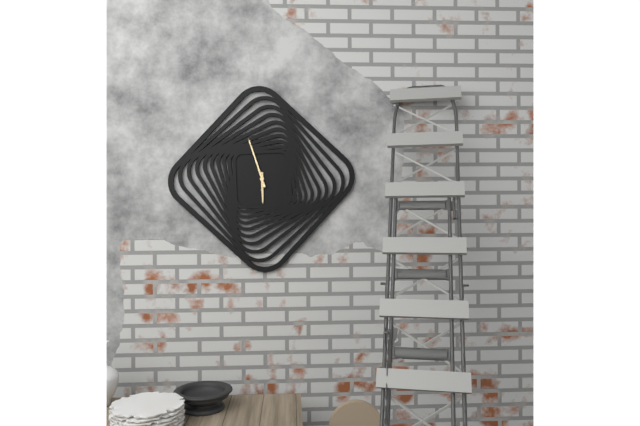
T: **5:57**
